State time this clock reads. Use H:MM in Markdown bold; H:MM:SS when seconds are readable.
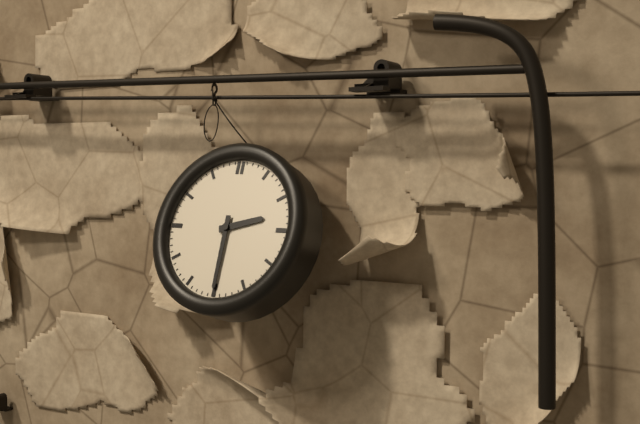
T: **2:30**
